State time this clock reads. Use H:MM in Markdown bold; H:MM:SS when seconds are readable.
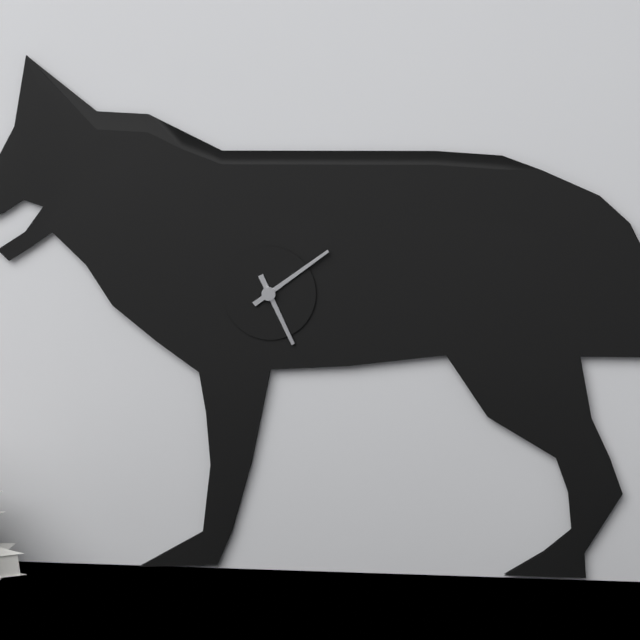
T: **5:09**
